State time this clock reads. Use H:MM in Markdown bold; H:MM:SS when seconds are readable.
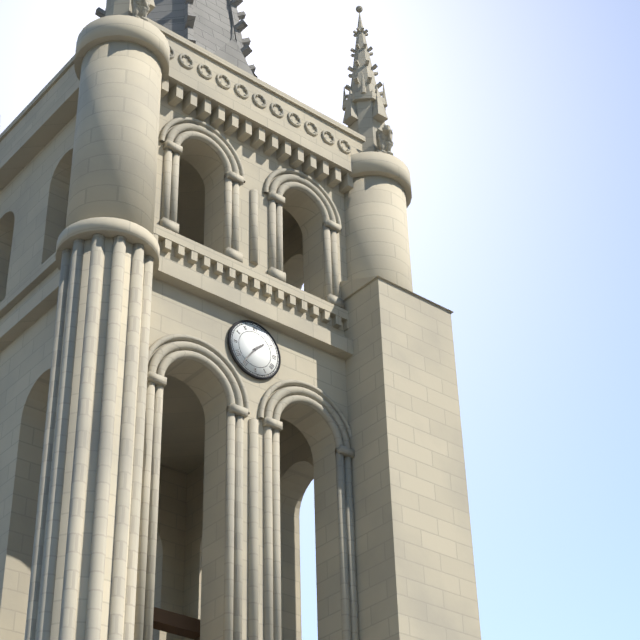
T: **1:36**
